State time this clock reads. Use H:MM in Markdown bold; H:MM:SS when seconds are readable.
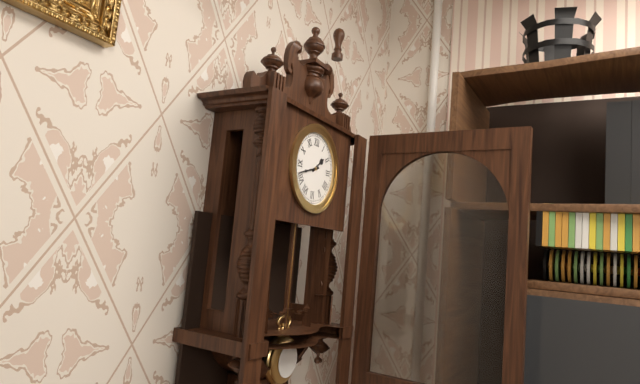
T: **1:42**
